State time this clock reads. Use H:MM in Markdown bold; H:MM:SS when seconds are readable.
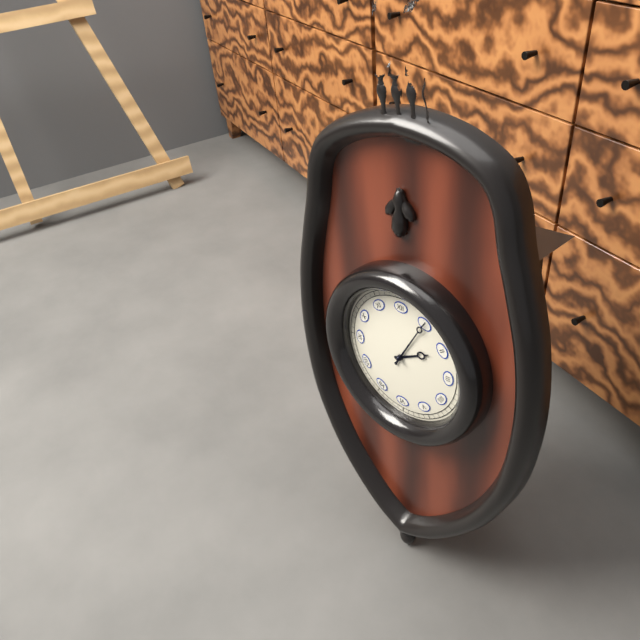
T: **2:05**
